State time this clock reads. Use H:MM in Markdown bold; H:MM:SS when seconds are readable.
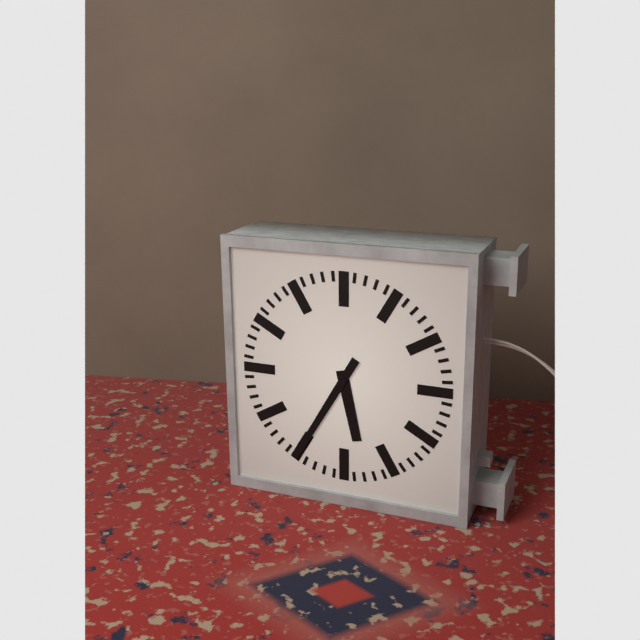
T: **5:35**
